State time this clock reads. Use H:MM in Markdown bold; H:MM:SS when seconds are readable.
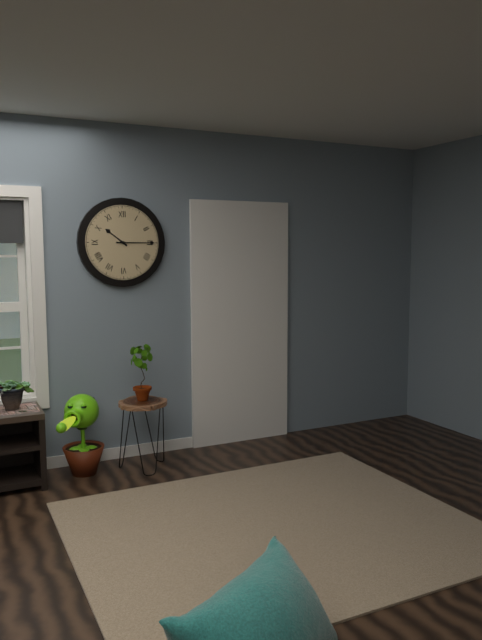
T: **10:15**
